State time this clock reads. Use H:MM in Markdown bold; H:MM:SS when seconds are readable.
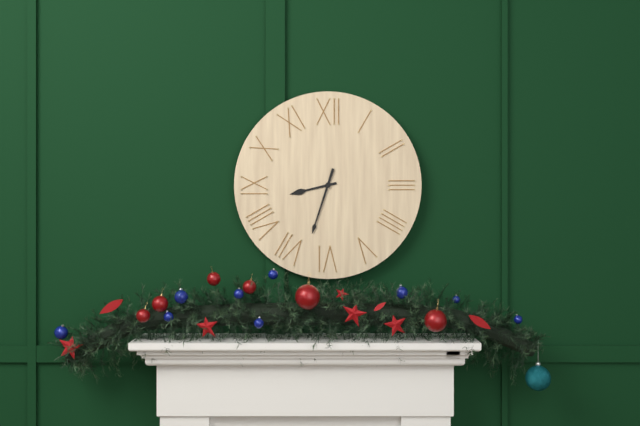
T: **8:33**
